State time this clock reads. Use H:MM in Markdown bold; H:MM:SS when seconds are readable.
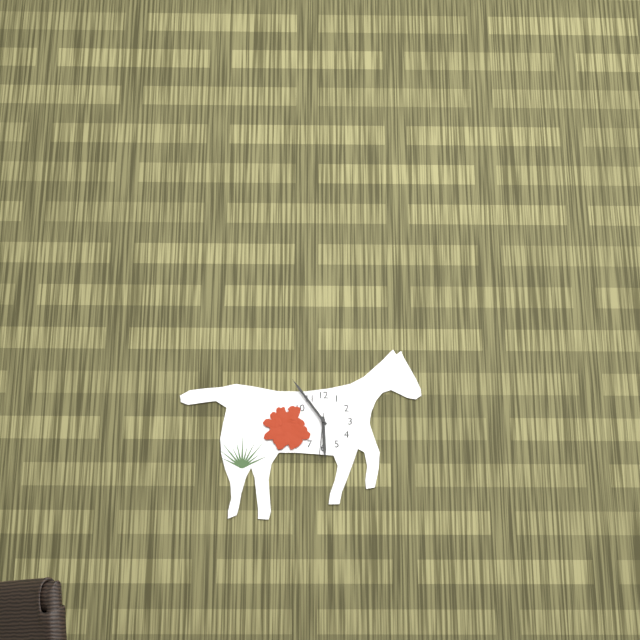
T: **5:54:31**
